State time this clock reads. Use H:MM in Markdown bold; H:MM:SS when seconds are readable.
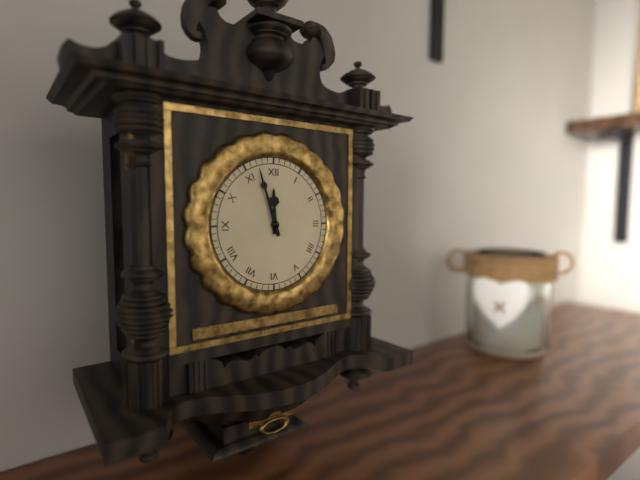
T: **11:57**
